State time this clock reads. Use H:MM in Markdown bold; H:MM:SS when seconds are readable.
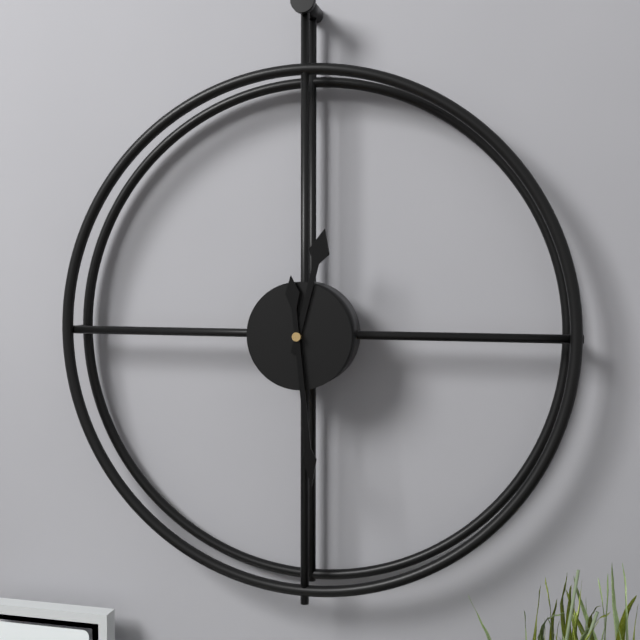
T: **12:29**
